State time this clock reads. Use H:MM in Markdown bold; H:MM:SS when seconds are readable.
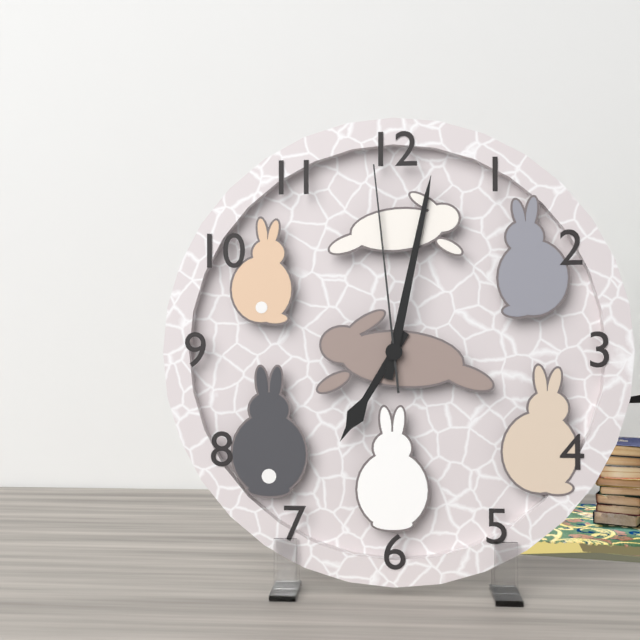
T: **7:02:59**
